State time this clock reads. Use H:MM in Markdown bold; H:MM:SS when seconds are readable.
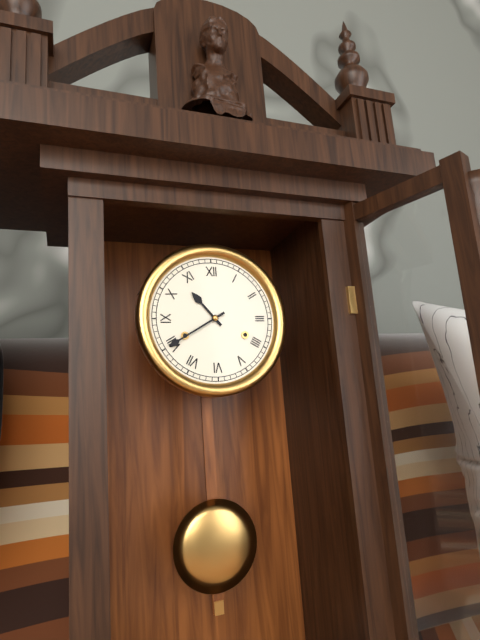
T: **10:40**
